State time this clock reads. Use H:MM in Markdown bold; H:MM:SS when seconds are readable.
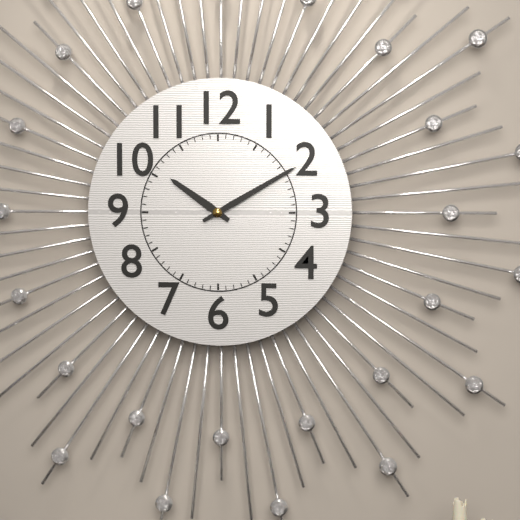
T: **10:10**
